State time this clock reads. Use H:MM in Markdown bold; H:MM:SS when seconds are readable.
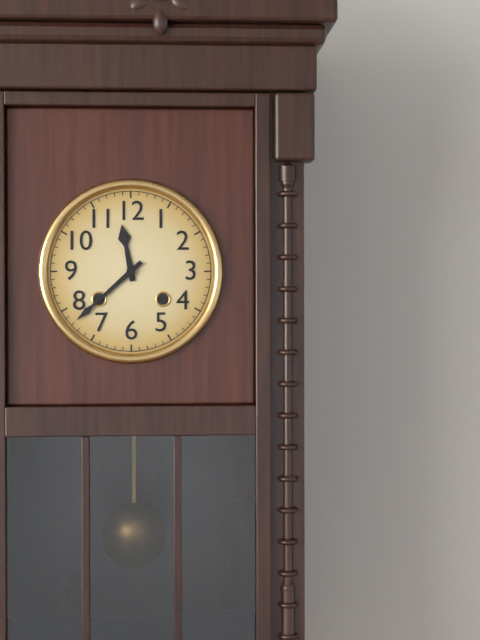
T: **11:38**
